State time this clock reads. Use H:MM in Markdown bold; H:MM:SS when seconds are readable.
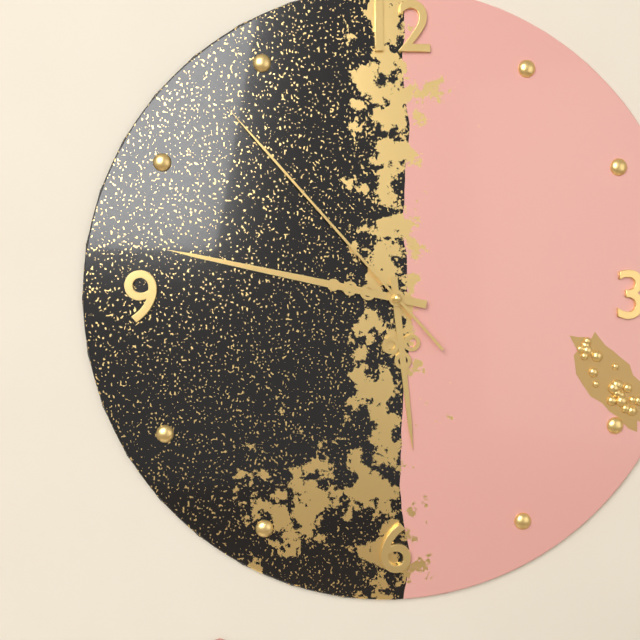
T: **5:47:53**
